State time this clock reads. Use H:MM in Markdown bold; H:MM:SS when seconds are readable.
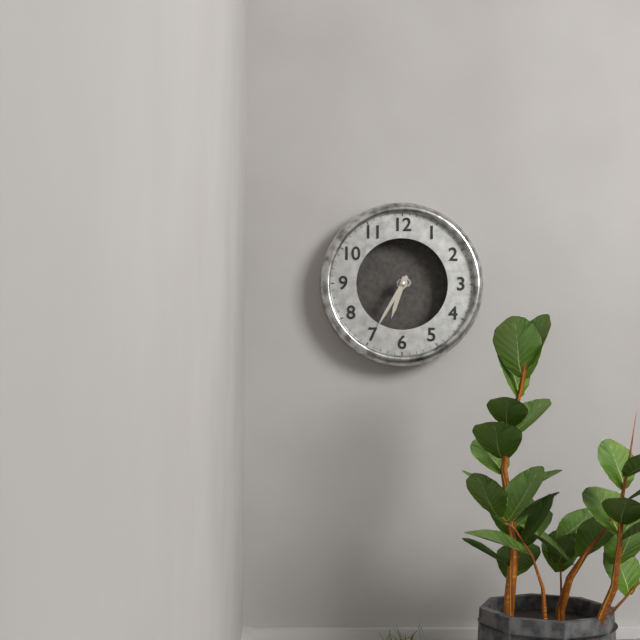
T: **6:35**
